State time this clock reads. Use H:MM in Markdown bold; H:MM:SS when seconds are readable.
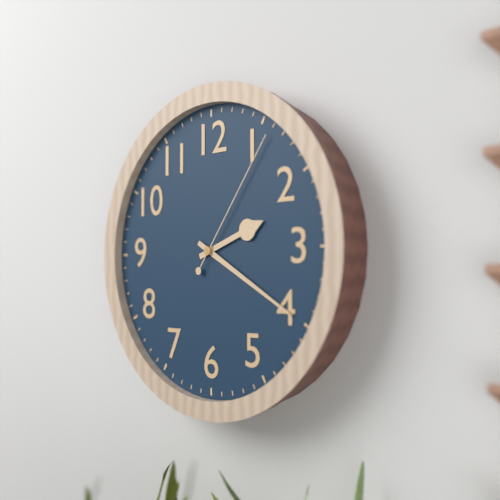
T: **2:20:06**
